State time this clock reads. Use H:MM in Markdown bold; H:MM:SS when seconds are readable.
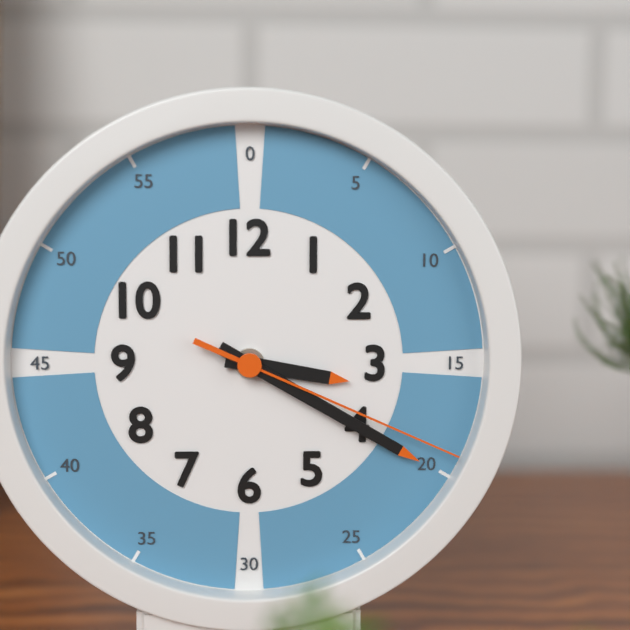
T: **3:20:19**
